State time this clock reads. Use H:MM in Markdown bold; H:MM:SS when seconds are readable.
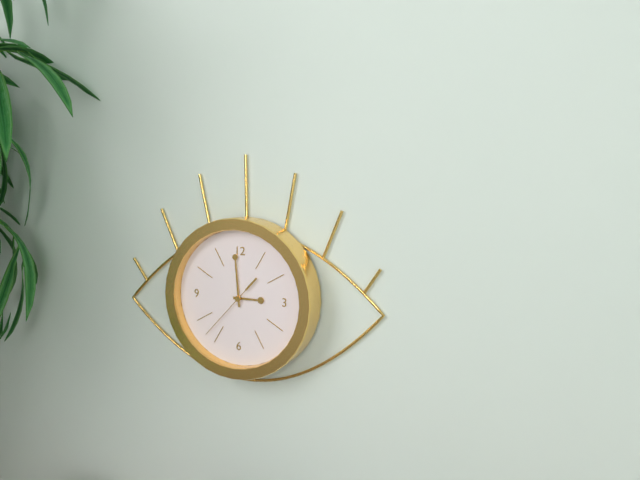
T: **2:59:37**
